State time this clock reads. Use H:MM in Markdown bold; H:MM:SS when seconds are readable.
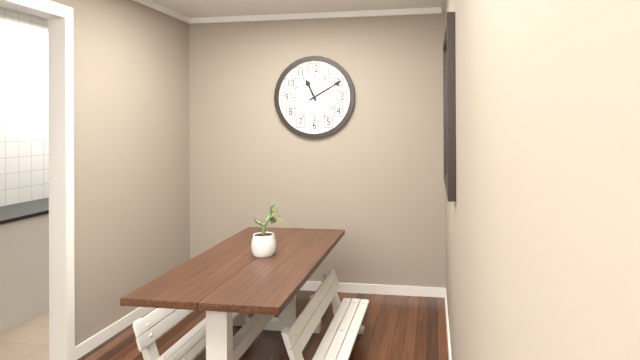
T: **11:10**
